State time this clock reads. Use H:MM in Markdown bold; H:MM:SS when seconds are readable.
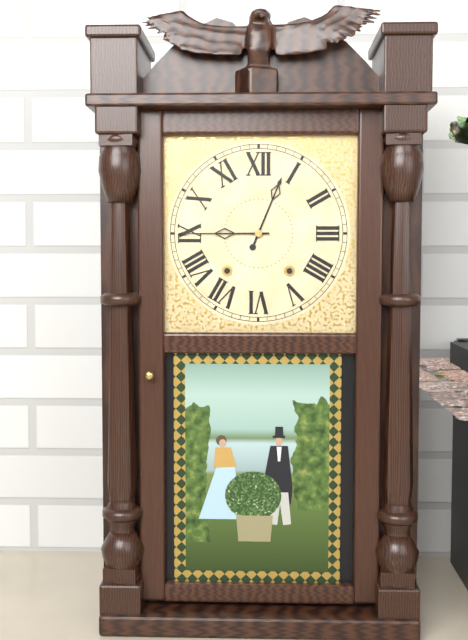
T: **12:45**
